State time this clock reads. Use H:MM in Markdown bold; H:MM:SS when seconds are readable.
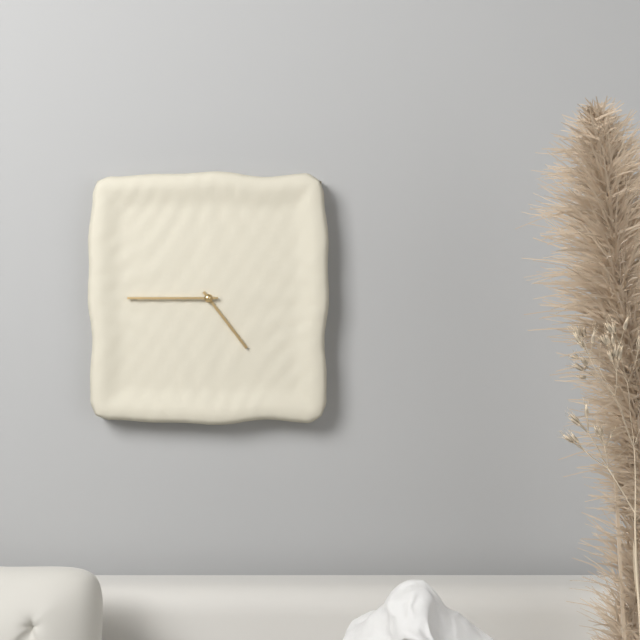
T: **4:45**
